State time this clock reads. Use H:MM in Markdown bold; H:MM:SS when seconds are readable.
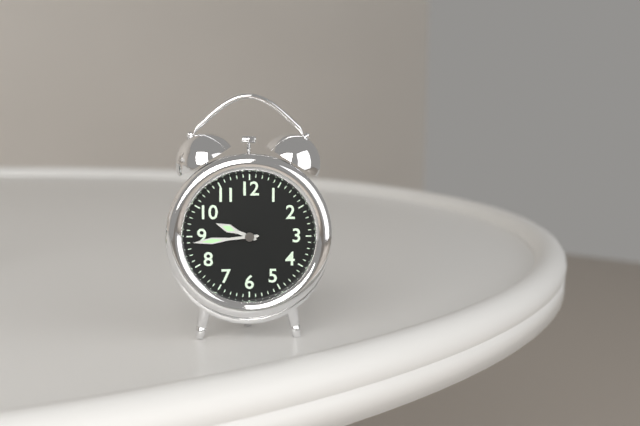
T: **9:44**
